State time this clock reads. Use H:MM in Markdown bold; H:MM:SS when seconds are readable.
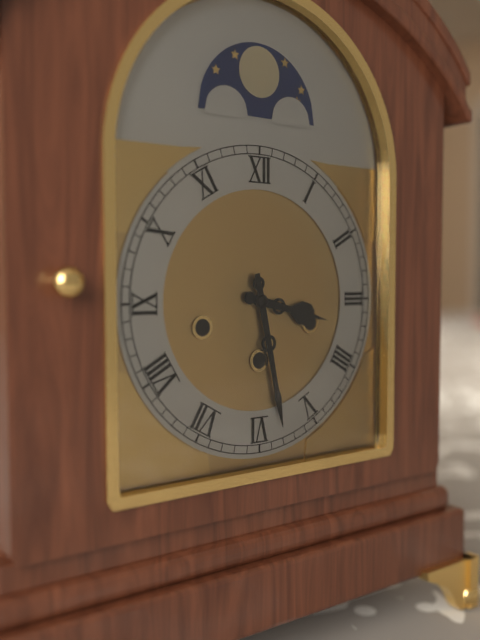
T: **3:28**
